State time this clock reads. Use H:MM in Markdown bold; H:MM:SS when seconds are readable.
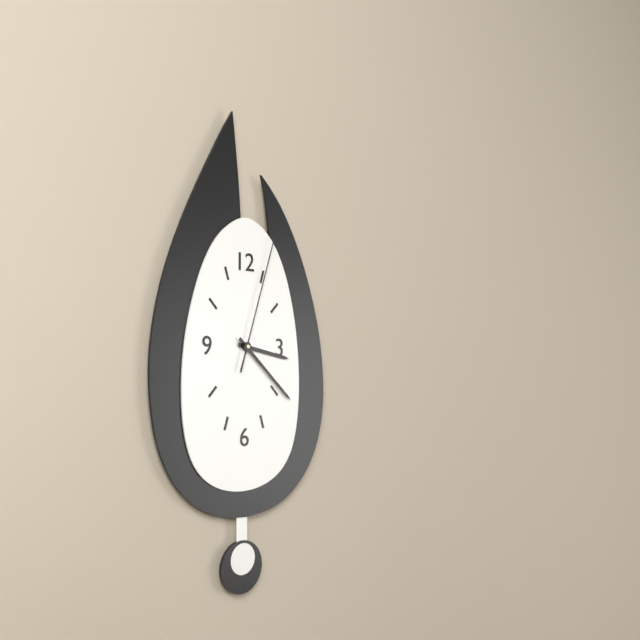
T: **3:22:03**
